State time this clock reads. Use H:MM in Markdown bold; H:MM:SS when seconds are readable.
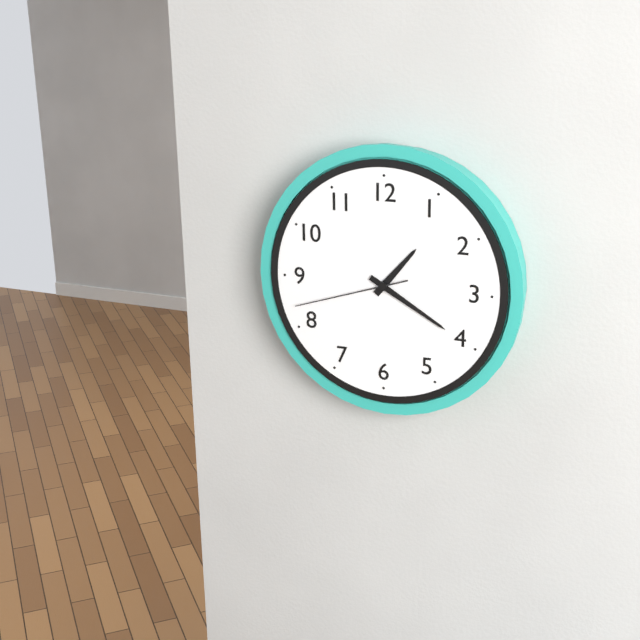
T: **1:20:42**
